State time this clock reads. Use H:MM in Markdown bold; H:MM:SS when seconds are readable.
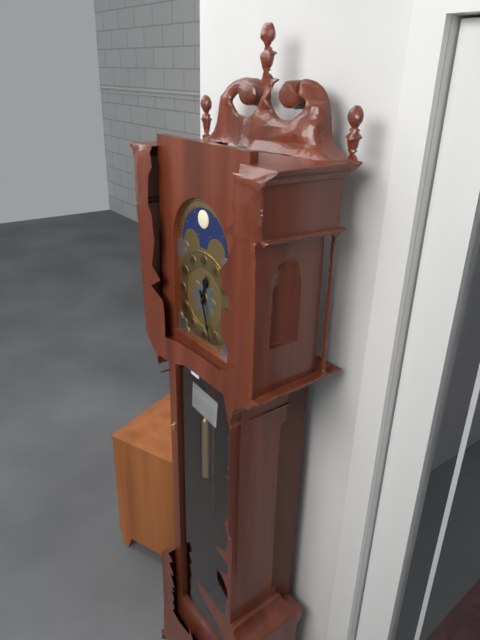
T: **12:27**
